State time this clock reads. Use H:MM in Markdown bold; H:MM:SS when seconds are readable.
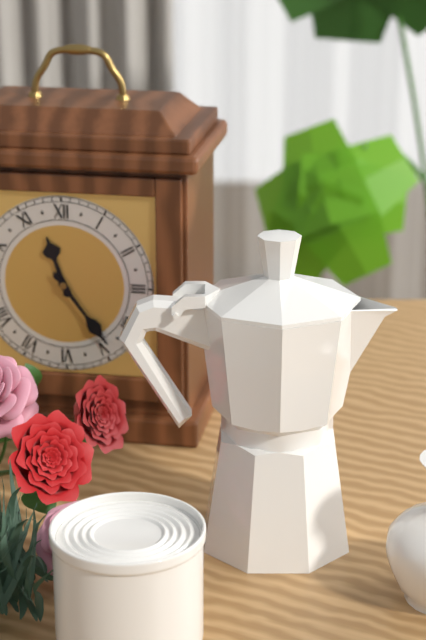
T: **11:24**
